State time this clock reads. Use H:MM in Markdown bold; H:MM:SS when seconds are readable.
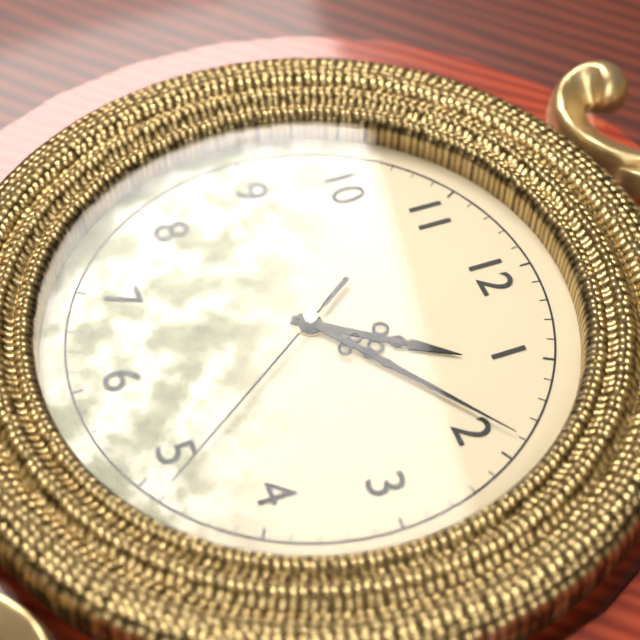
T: **1:09:24**
